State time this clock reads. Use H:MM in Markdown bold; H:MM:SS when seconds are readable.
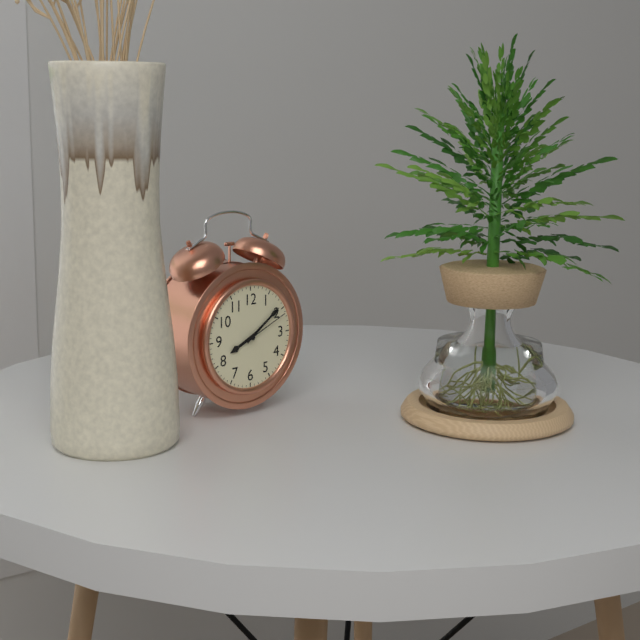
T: **8:09:11**
